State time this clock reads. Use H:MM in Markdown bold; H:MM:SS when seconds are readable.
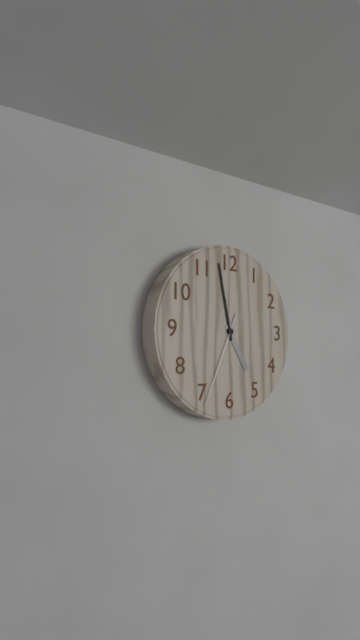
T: **4:58:34**
